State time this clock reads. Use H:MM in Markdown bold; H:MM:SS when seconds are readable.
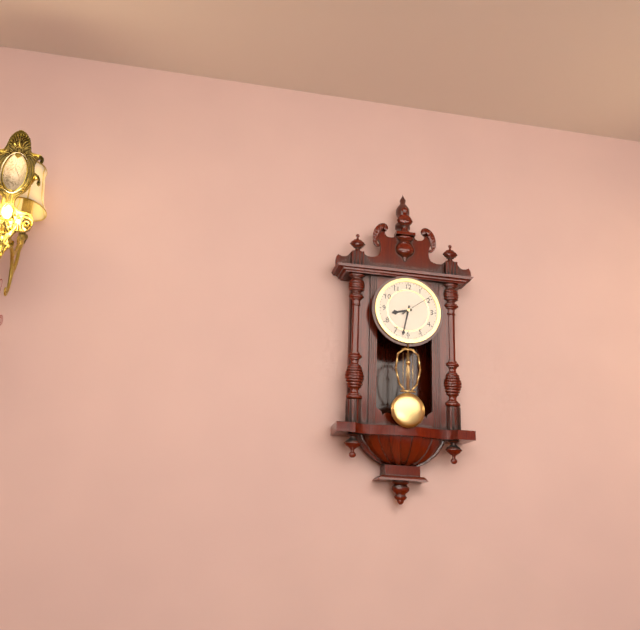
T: **8:32**
